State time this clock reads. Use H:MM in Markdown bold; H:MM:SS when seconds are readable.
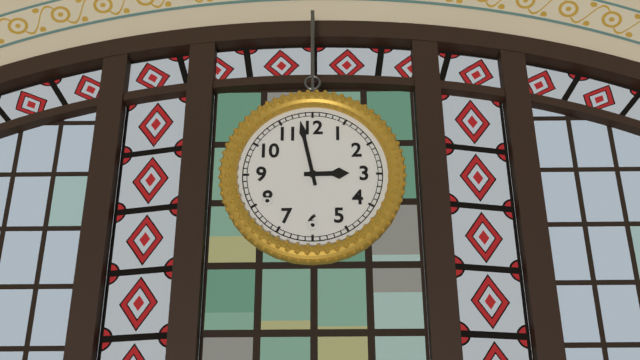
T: **2:58**
